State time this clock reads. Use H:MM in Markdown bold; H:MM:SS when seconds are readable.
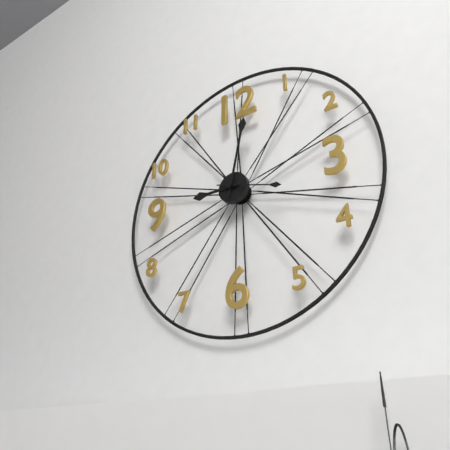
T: **9:02:18**
